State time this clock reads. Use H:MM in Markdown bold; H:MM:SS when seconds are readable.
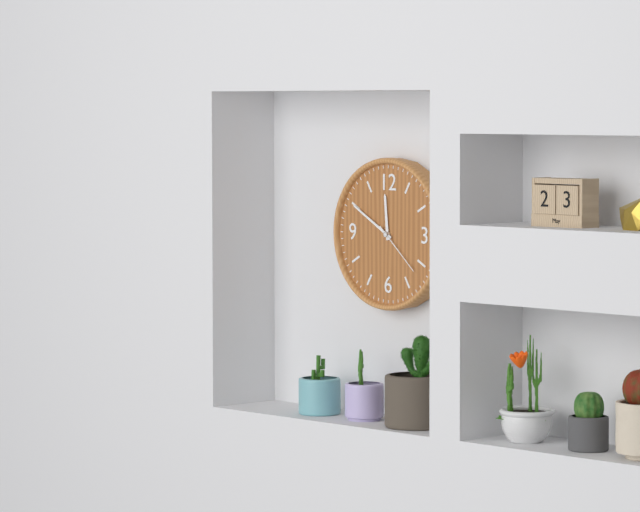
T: **11:50:22**
